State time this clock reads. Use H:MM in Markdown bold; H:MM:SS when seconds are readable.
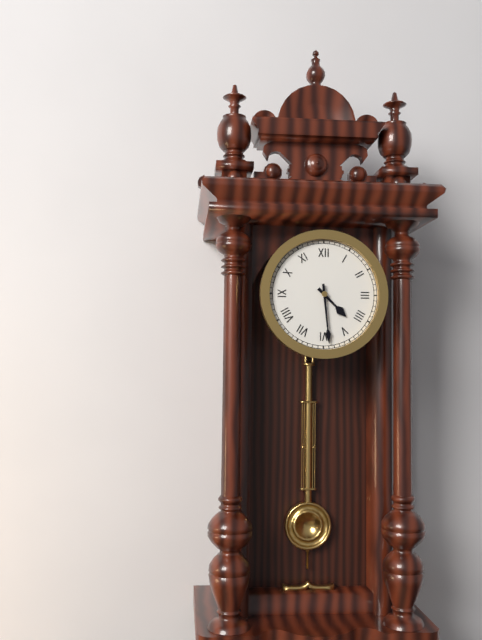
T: **4:29**
